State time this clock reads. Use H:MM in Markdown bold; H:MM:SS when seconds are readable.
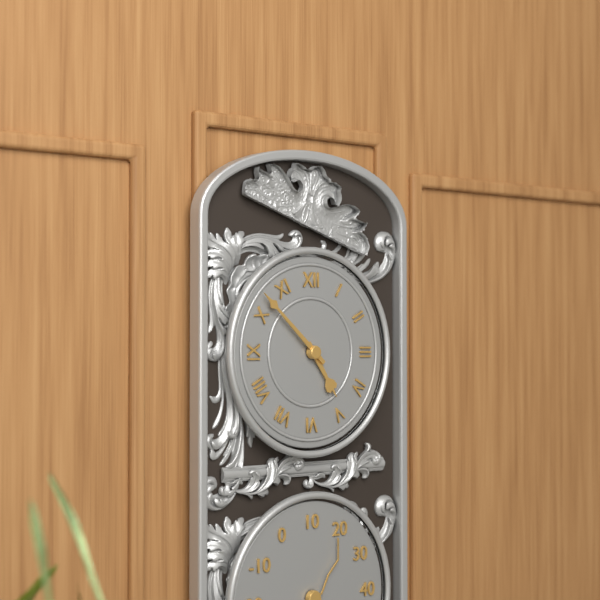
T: **4:52**
